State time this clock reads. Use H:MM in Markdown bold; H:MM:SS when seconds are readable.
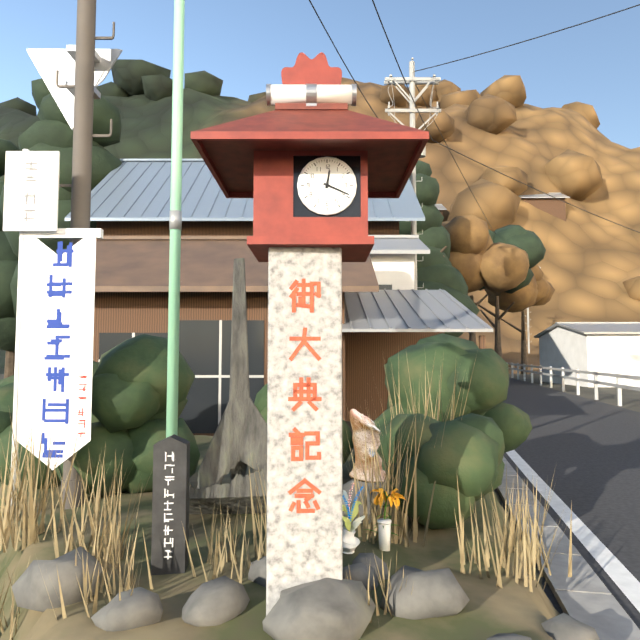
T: **12:19**
